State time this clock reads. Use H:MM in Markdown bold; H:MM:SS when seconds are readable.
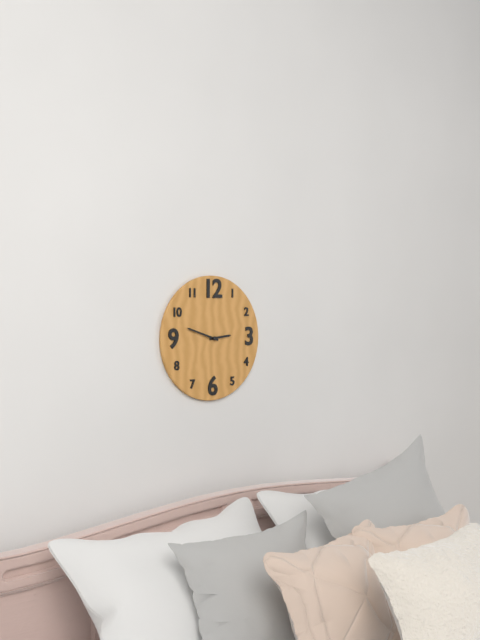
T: **2:48**
